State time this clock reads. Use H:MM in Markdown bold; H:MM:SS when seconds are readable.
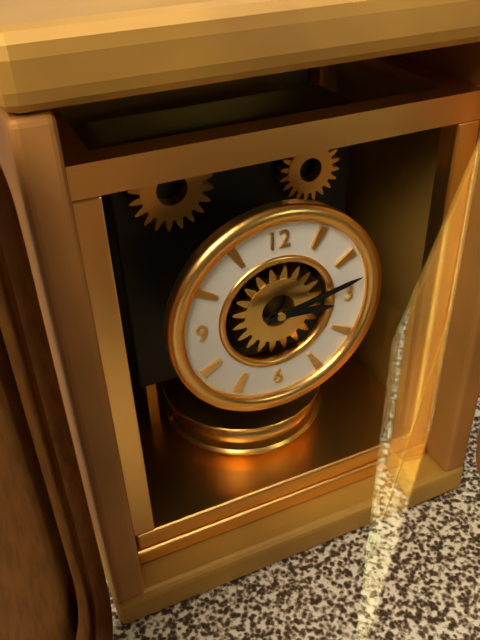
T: **3:13**
